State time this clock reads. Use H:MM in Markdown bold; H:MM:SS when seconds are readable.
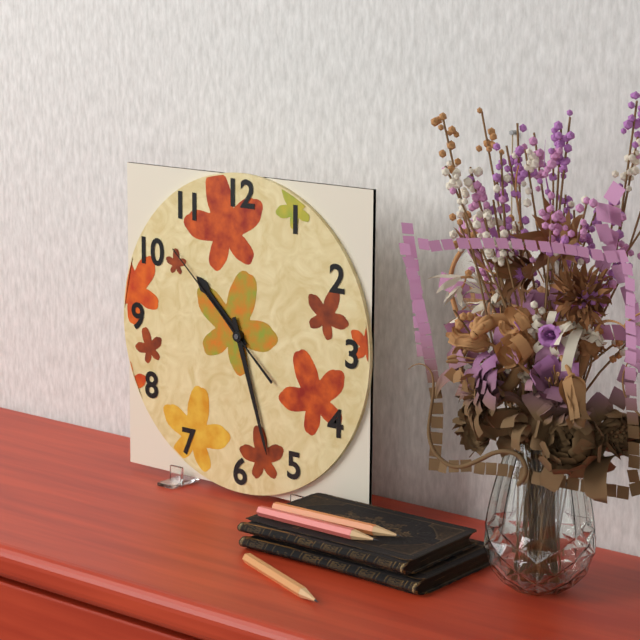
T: **10:27:52**
